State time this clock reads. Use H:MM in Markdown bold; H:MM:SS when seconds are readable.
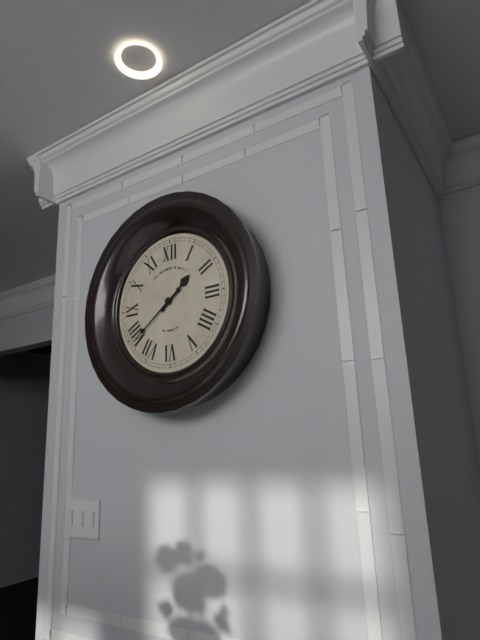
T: **1:39**
